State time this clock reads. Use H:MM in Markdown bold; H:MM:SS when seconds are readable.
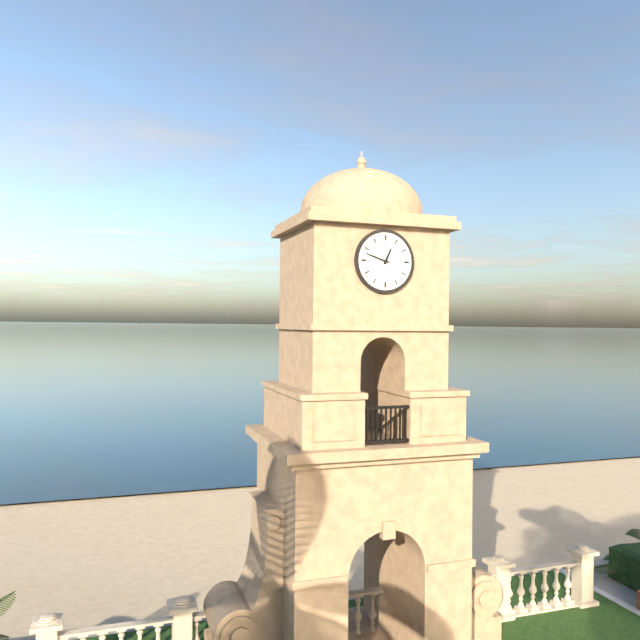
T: **12:48**
